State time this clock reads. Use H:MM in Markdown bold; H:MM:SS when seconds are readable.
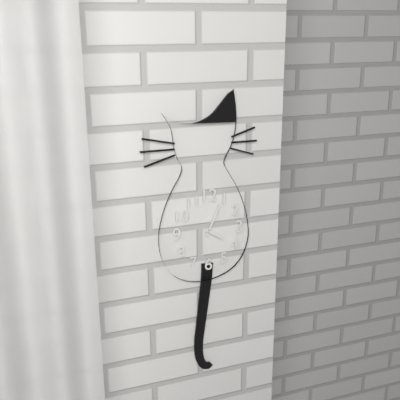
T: **4:04**
